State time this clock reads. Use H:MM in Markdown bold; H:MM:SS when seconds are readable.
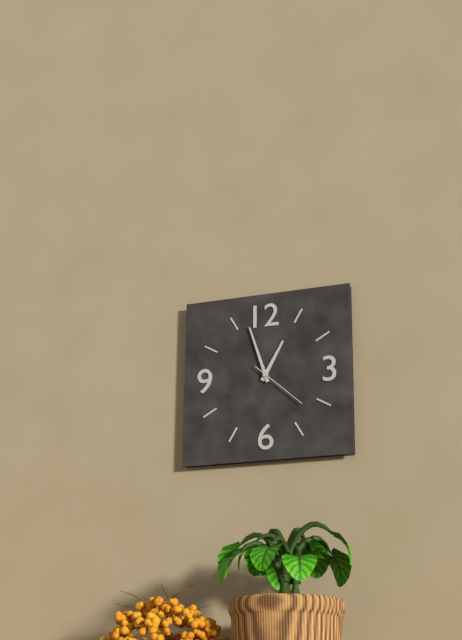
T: **12:57:22**
